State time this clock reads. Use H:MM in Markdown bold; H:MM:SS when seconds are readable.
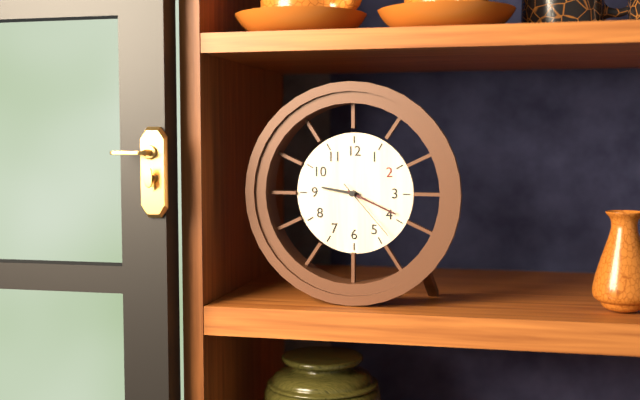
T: **9:19:23**
